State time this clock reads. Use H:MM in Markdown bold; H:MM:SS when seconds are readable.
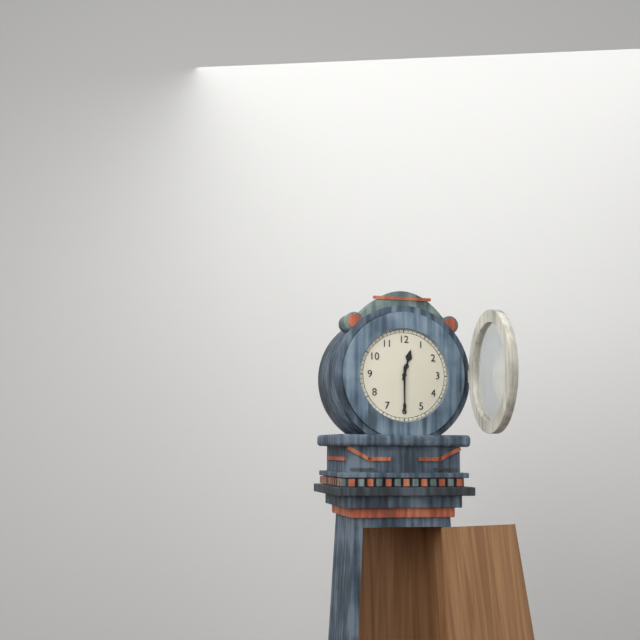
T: **12:30**
